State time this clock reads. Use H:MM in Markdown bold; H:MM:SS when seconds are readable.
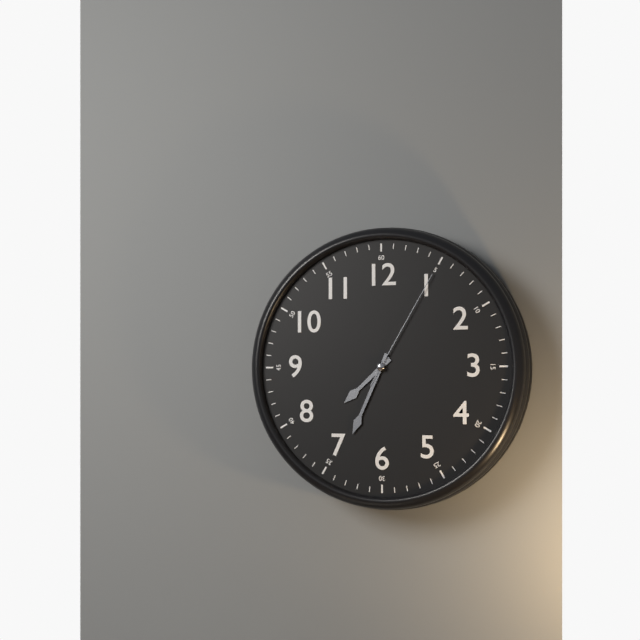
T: **7:34:05**
